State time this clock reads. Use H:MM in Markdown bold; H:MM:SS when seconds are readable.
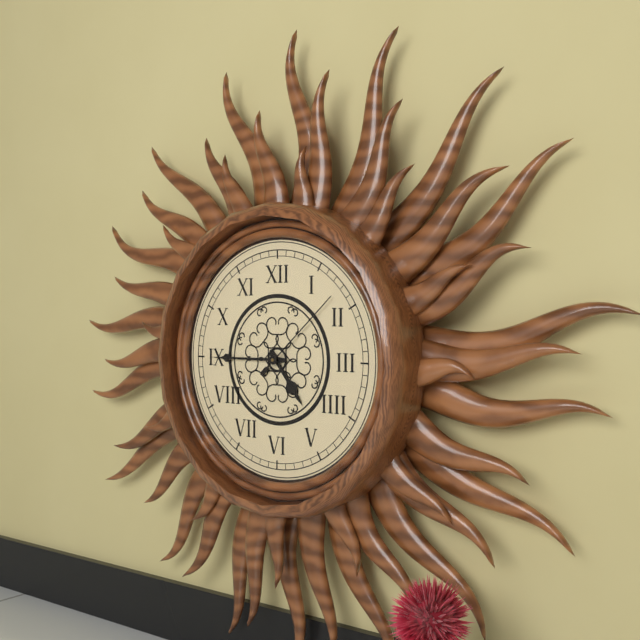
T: **4:45:08**
